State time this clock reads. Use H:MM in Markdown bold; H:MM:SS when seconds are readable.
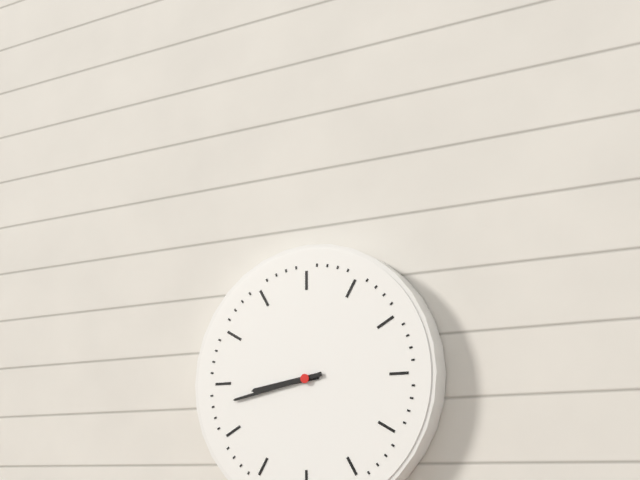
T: **8:43**
